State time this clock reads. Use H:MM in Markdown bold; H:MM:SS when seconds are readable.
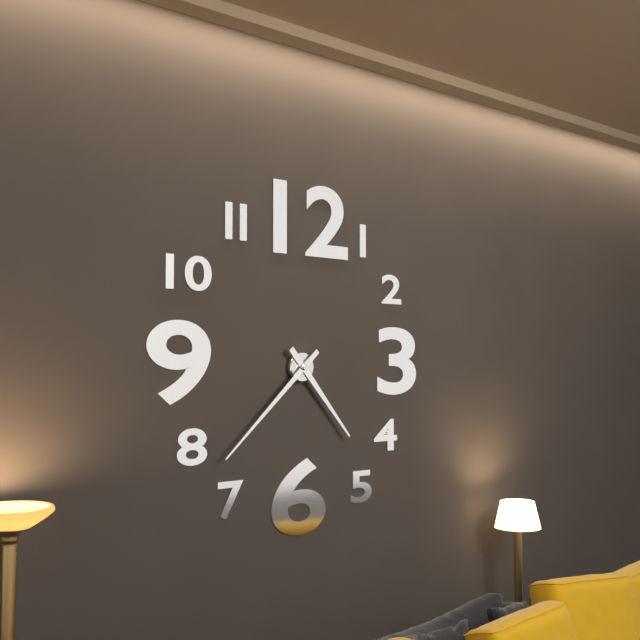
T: **4:38**
